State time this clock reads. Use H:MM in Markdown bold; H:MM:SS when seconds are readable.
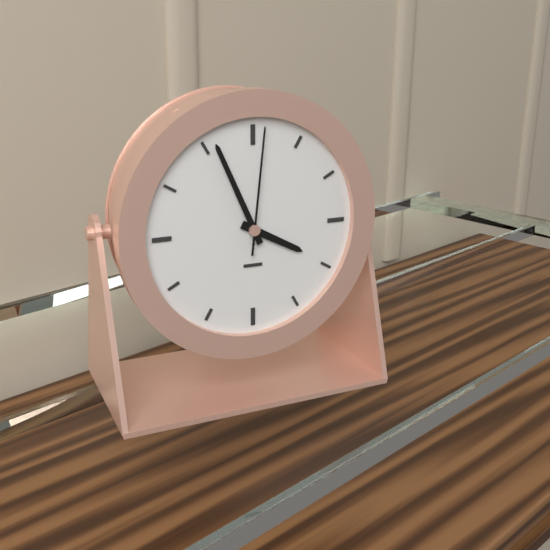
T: **3:56:01**
